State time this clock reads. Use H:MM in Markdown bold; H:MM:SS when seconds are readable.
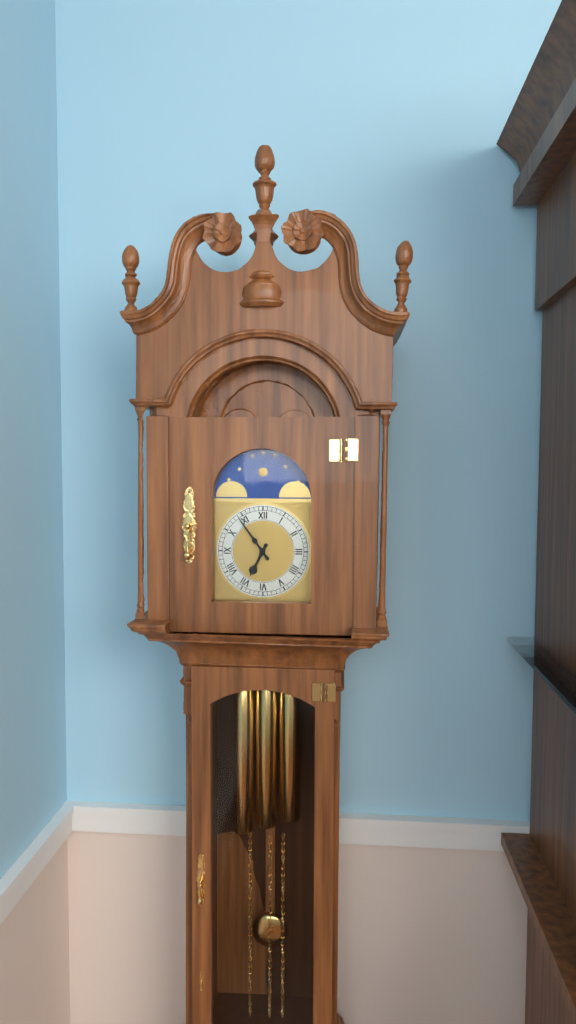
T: **6:54**
